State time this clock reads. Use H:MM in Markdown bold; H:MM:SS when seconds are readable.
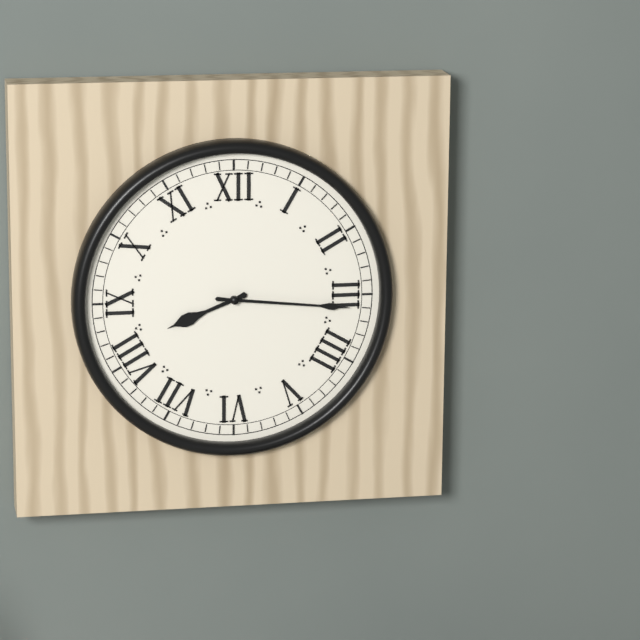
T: **8:16**
